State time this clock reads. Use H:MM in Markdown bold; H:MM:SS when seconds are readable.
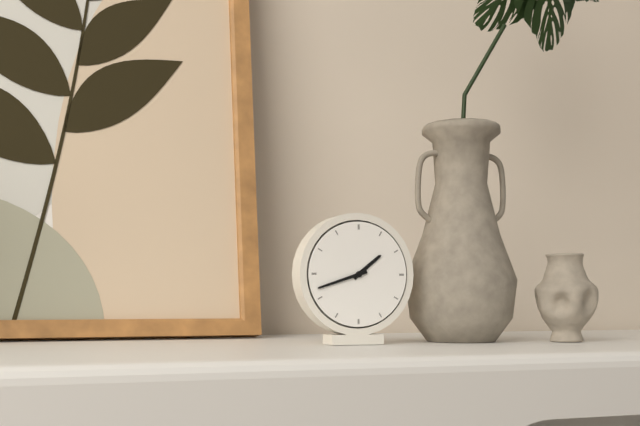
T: **1:42**
